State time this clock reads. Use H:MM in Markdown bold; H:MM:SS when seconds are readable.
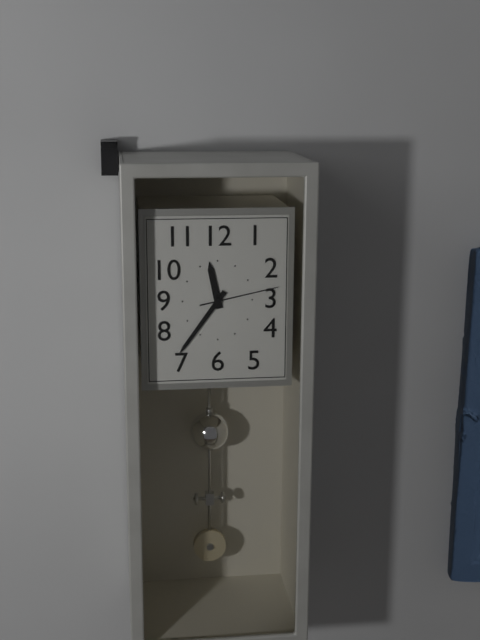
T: **11:36:13**
